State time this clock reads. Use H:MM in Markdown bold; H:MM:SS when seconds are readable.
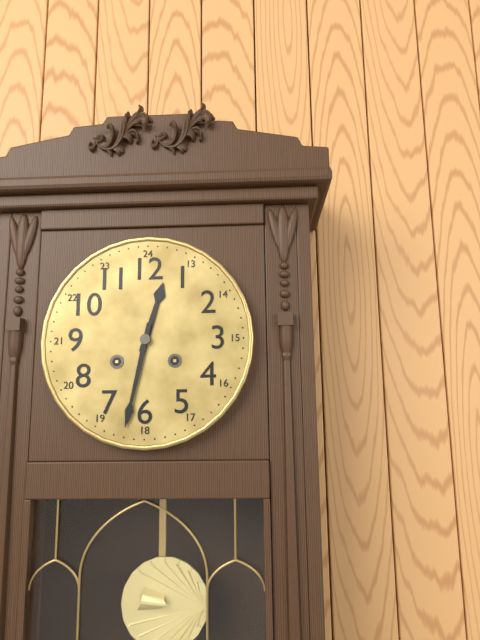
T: **12:32**
